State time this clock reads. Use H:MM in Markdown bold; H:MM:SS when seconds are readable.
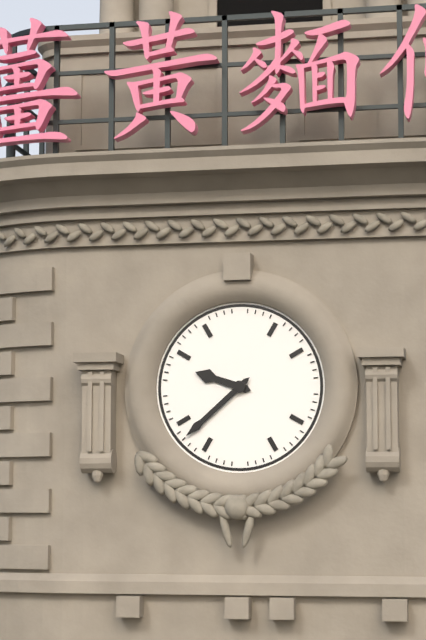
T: **9:38**
